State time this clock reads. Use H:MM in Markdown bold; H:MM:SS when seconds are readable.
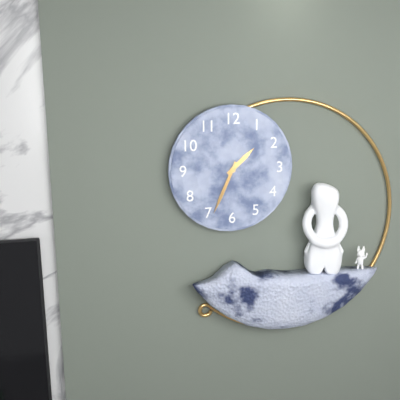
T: **1:34**
